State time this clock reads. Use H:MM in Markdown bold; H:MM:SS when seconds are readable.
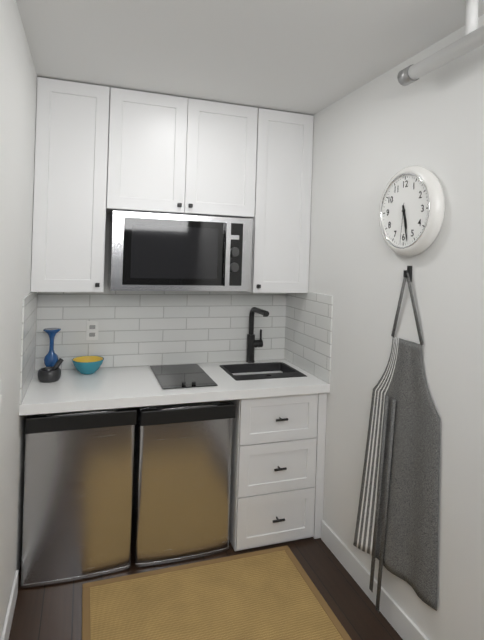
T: **5:28**
